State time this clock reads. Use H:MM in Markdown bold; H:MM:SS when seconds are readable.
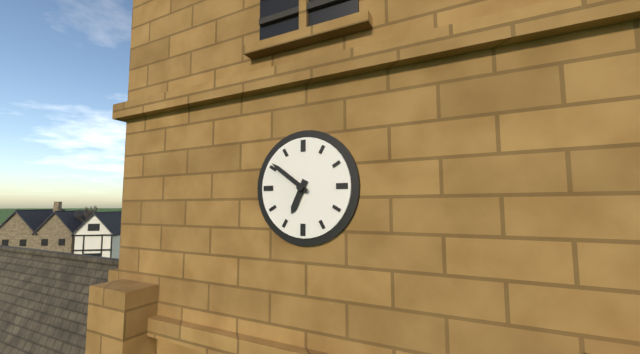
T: **6:51**
